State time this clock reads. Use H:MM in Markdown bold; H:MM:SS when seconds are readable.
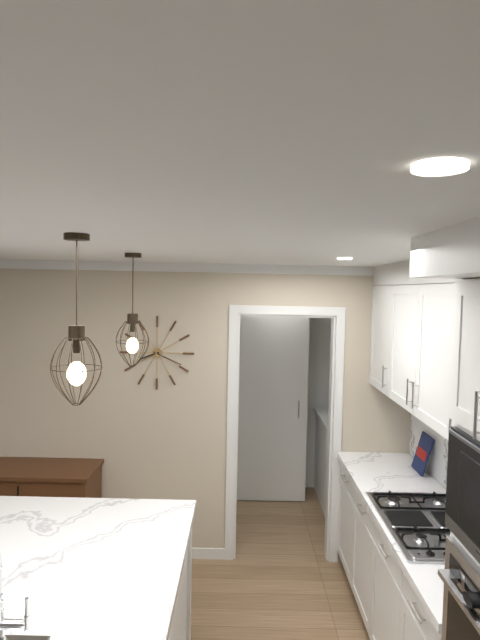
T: **8:19**
